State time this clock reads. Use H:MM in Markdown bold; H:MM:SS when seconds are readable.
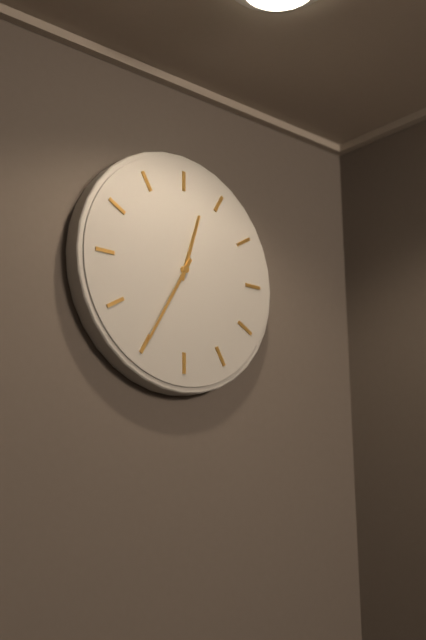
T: **12:35**
